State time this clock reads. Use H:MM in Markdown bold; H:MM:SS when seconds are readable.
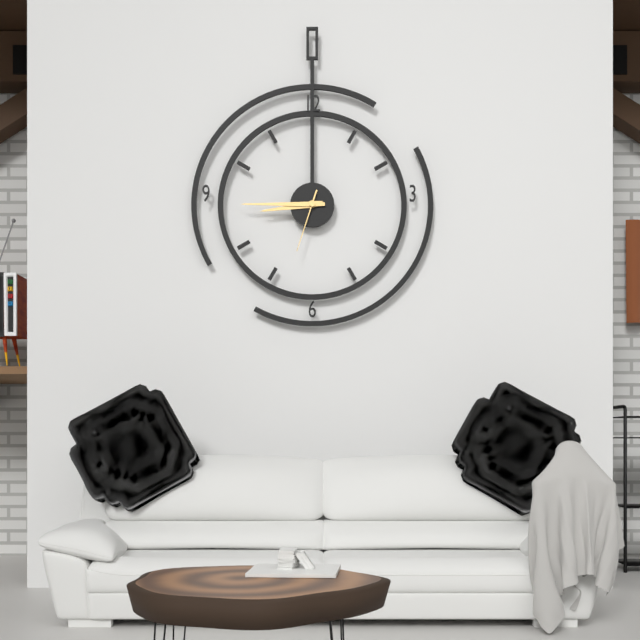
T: **8:45:33**
